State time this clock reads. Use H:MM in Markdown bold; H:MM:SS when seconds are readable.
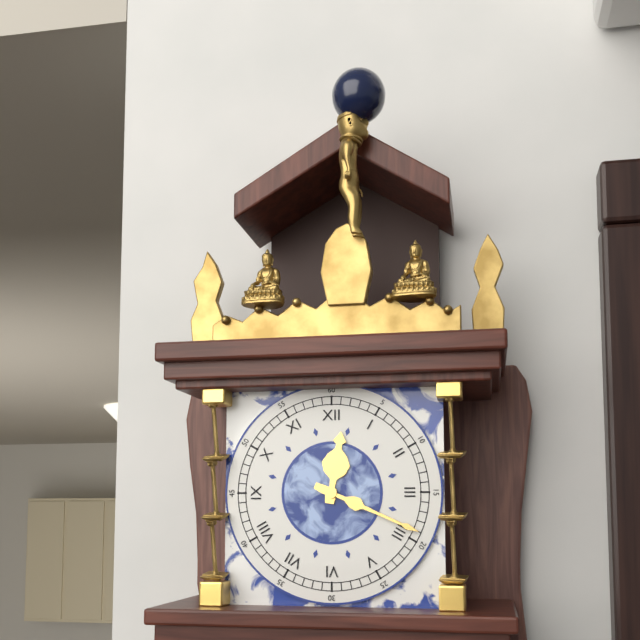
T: **12:19**
